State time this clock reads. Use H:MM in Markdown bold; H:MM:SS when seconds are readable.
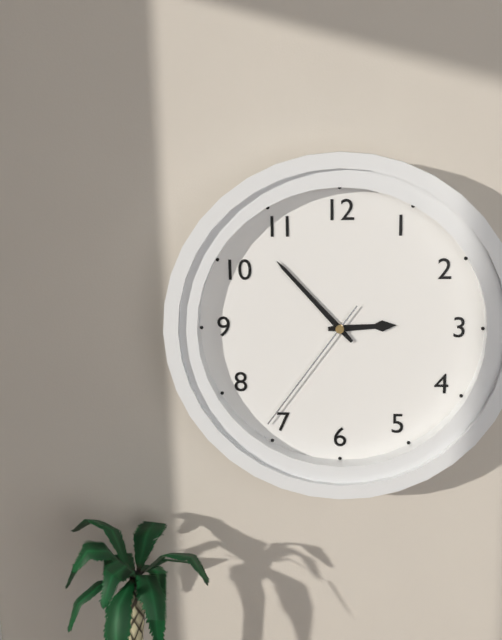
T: **2:53:36**
